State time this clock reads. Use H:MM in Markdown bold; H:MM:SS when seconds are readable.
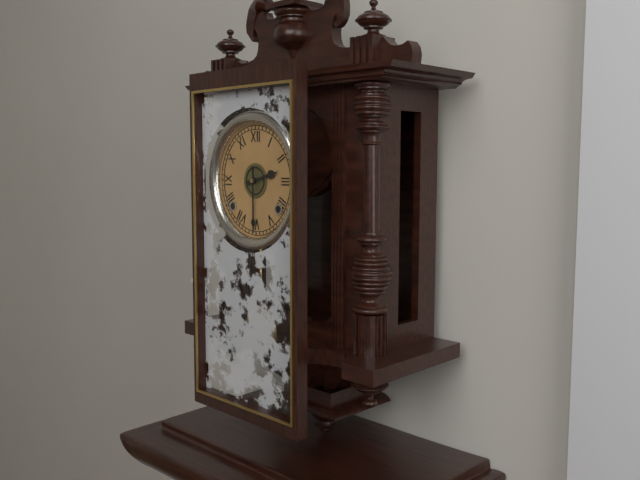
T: **2:30**
